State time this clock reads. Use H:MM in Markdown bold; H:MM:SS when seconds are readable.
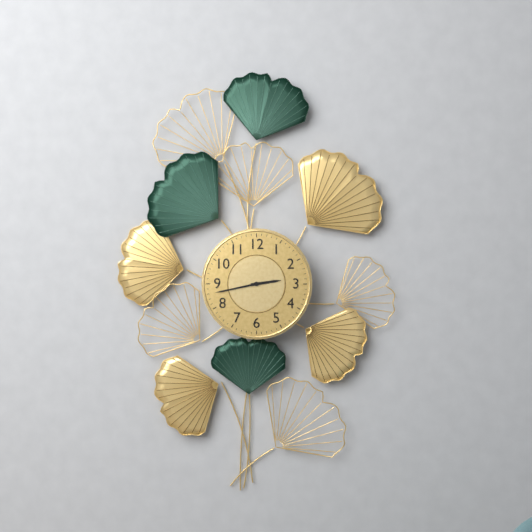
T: **2:43**
